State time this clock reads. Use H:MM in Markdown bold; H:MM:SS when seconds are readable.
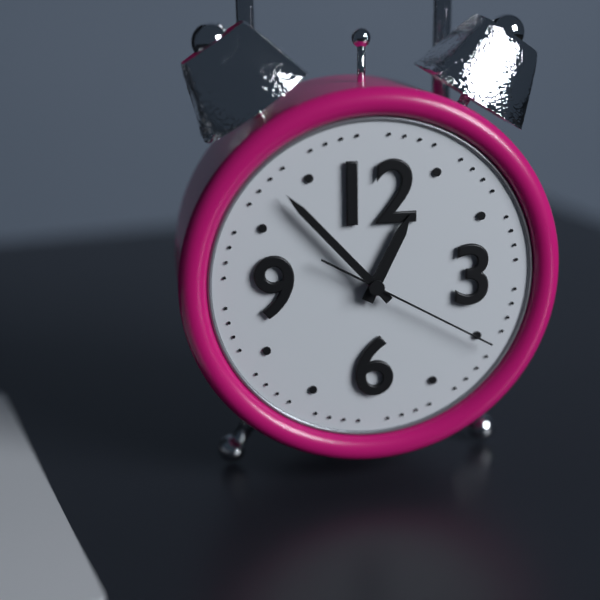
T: **12:53:20**
